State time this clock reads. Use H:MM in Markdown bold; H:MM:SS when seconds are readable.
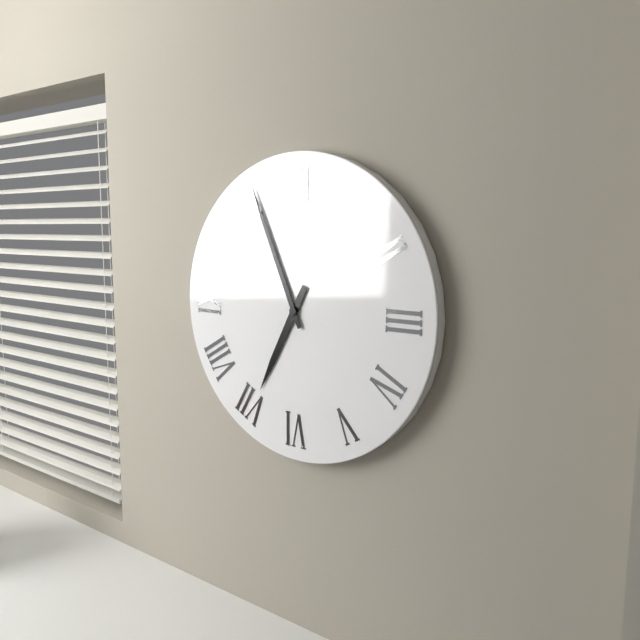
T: **6:56**
